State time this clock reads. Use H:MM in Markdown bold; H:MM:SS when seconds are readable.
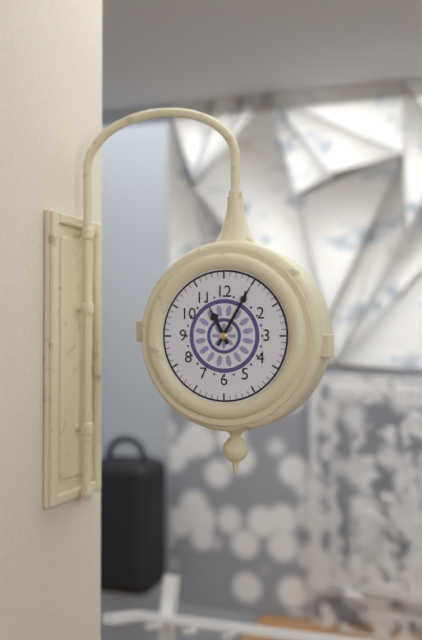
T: **11:05**
